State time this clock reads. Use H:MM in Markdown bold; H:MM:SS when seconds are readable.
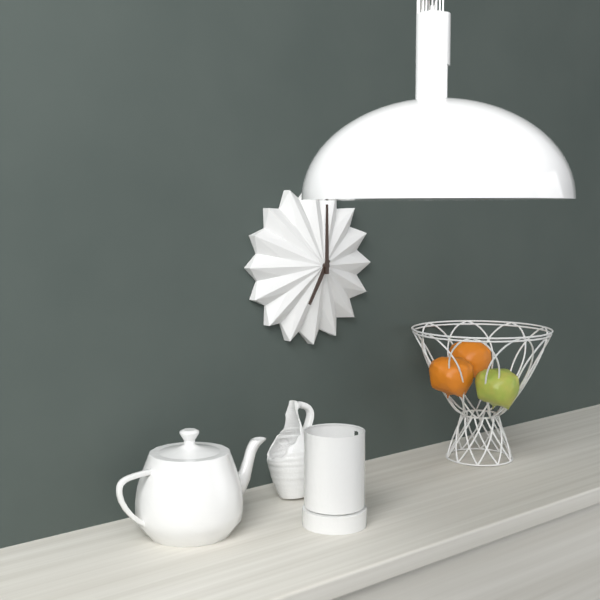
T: **7:00**
